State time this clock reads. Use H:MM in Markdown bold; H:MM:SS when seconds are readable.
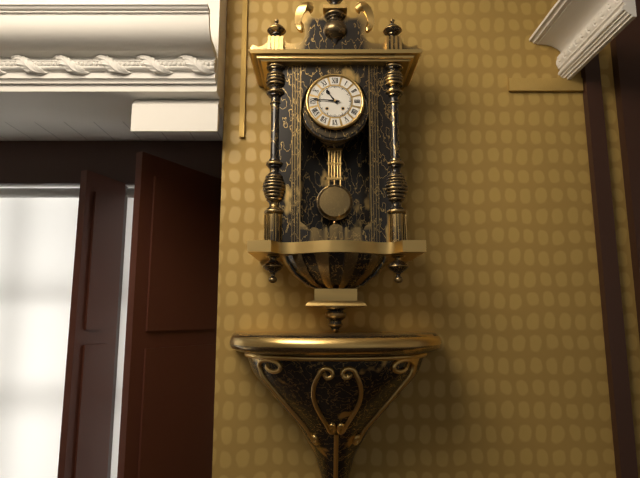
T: **10:46**
